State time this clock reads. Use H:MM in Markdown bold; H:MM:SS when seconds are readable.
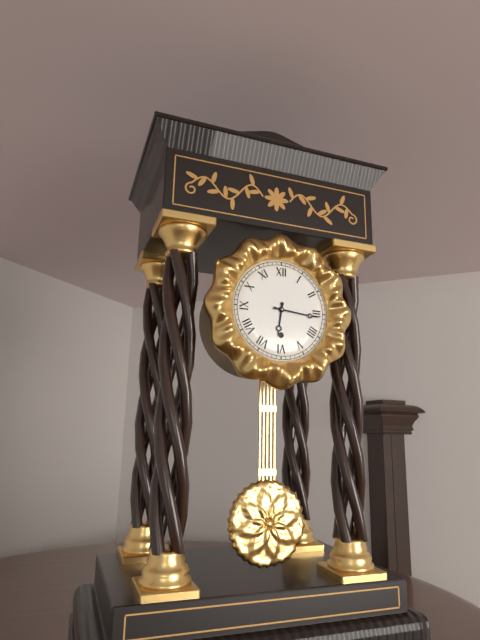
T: **6:16**
